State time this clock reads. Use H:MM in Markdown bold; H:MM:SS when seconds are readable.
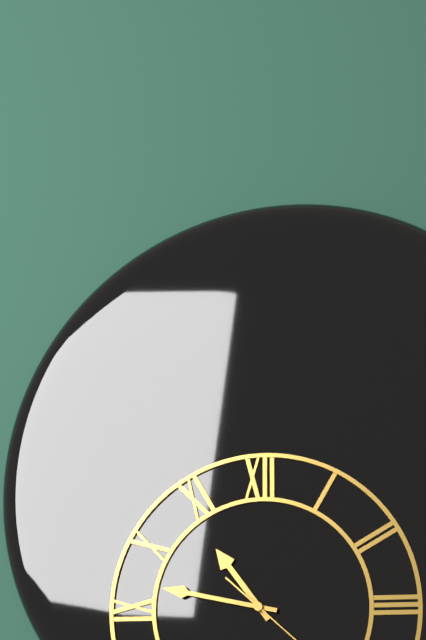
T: **10:47**
